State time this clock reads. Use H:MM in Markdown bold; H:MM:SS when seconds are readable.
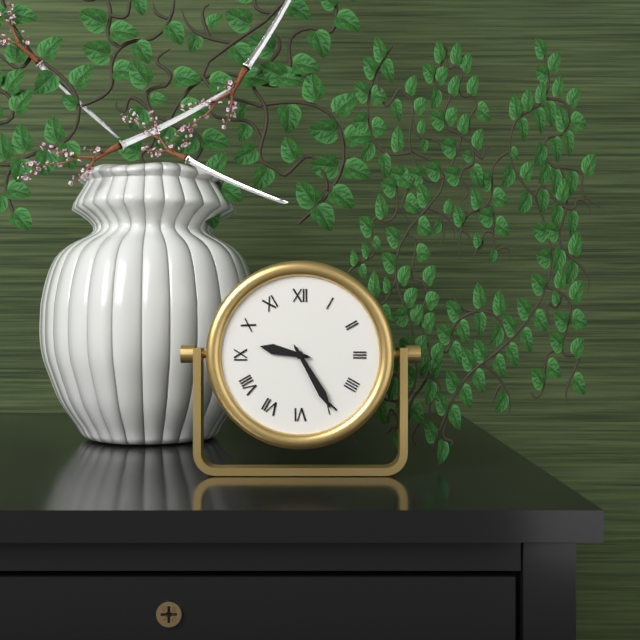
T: **9:25**
